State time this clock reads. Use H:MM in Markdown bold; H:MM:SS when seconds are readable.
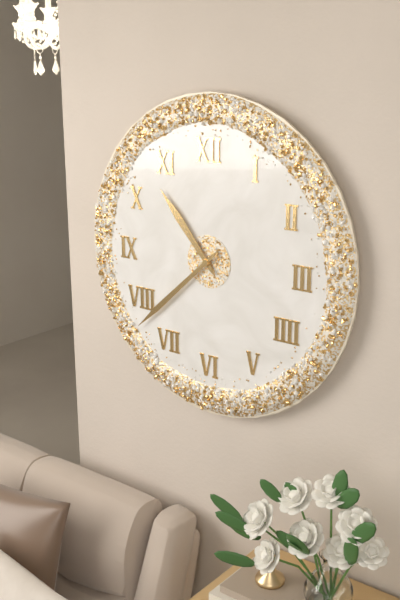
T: **10:38**
